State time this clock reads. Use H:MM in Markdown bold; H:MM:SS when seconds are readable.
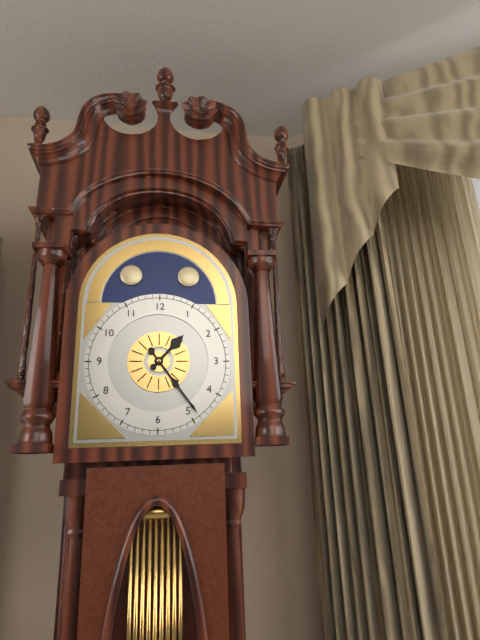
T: **1:24**
